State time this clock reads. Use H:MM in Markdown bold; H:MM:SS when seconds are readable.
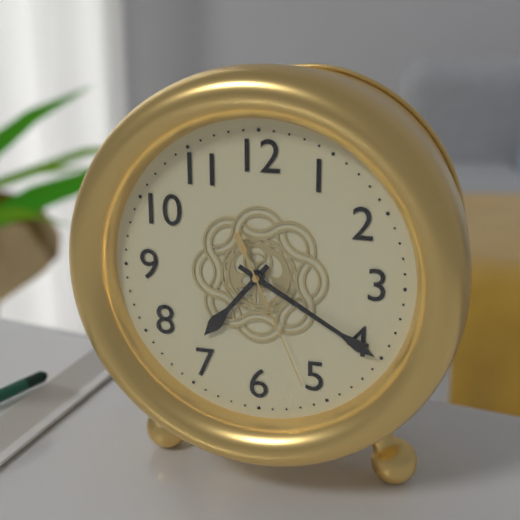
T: **7:20:26**
